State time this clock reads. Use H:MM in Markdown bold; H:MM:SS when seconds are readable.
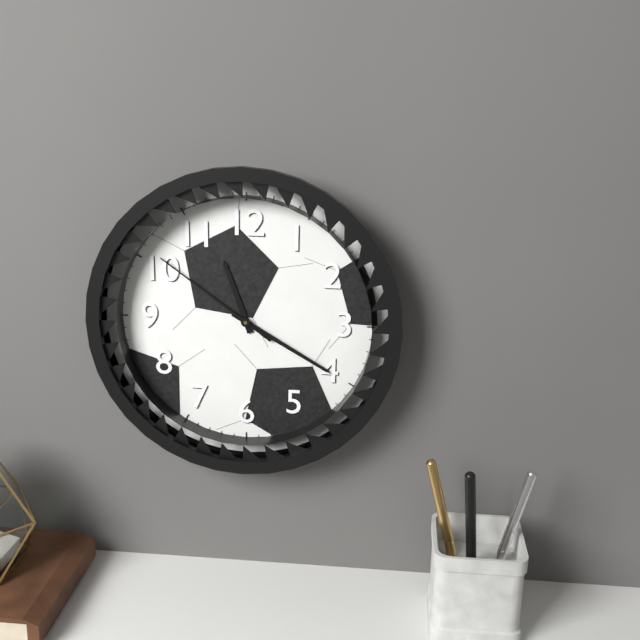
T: **11:20:51**
